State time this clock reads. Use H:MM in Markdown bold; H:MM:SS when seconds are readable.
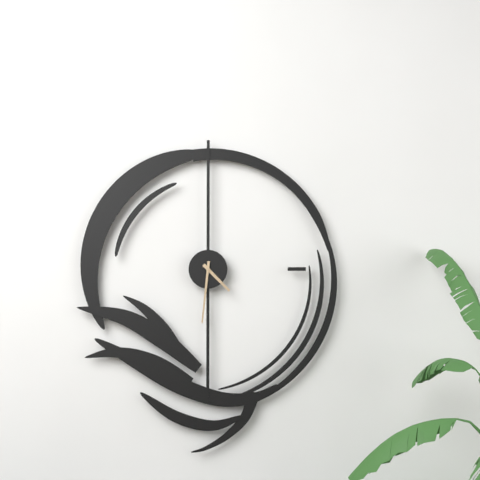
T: **4:31**
